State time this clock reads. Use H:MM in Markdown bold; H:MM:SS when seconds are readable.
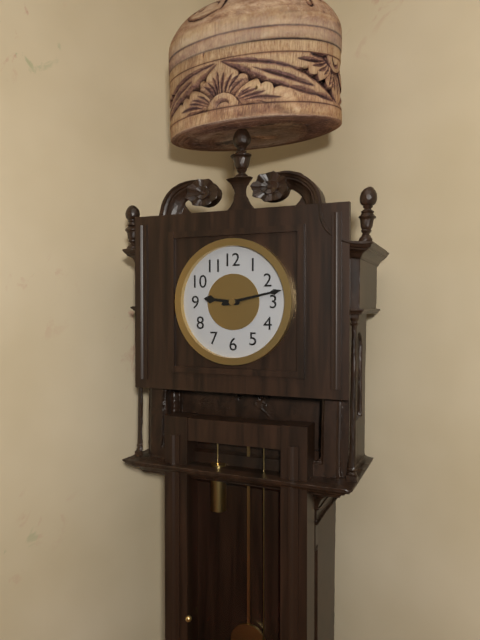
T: **9:13**
